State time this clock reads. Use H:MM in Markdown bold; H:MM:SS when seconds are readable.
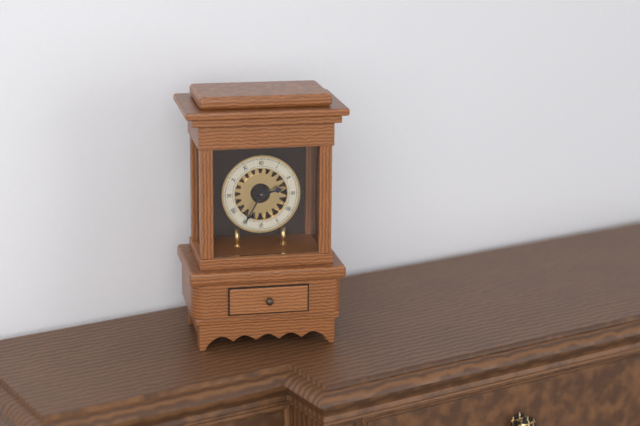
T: **2:35**
